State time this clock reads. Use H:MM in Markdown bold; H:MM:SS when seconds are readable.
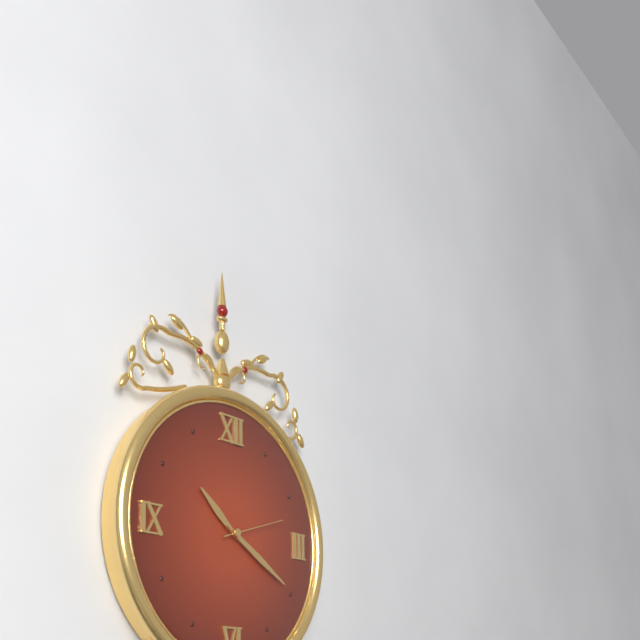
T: **10:20:12**
